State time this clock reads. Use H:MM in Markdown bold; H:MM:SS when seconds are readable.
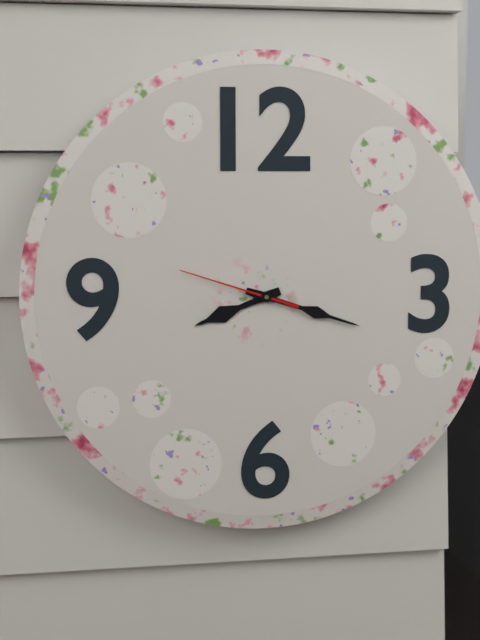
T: **8:18:48**
